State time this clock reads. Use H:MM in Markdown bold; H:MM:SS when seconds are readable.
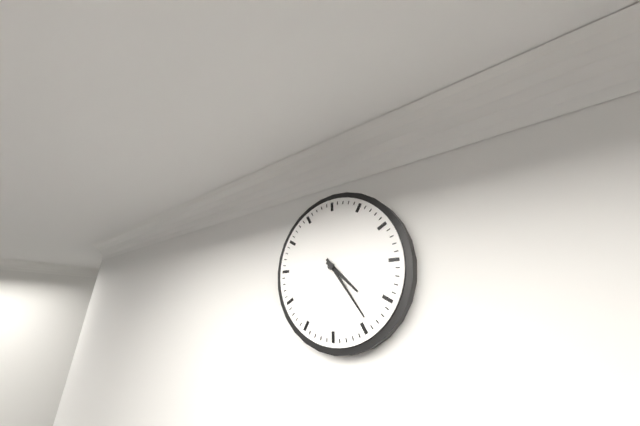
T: **4:24**
